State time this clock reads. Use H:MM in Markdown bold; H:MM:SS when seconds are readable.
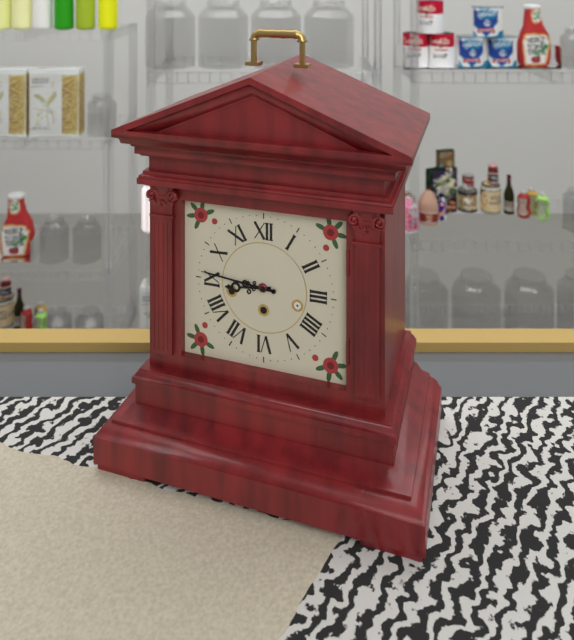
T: **8:46**
